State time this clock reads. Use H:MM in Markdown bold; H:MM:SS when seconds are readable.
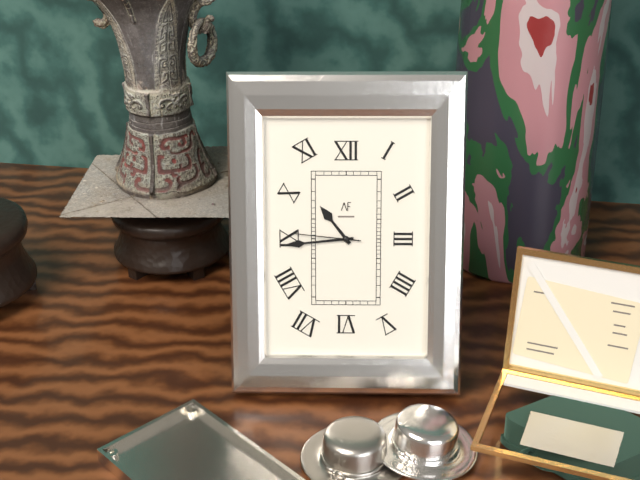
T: **10:44:46**
